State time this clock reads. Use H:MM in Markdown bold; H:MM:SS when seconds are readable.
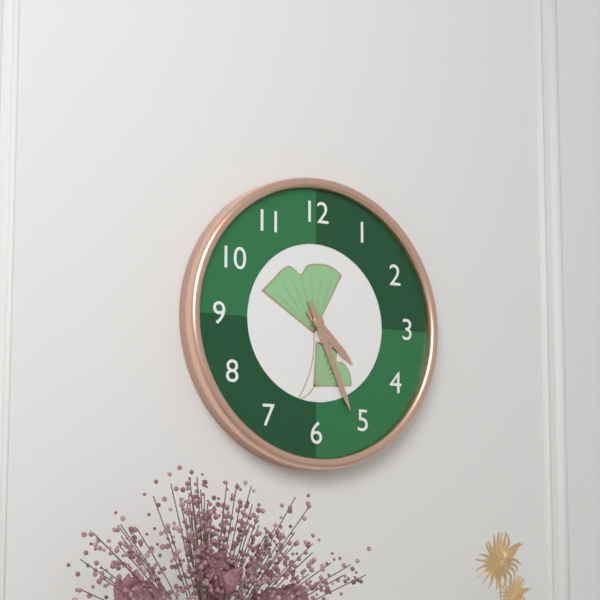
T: **4:26**
